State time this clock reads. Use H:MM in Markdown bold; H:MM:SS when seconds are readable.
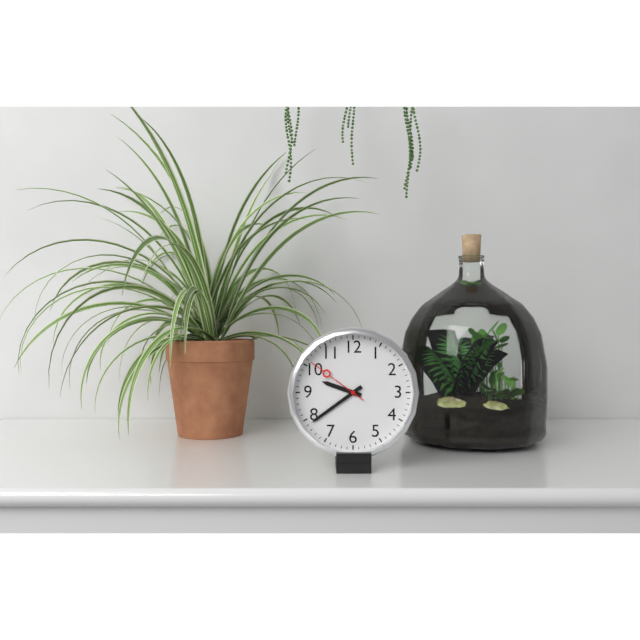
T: **9:39:51**
